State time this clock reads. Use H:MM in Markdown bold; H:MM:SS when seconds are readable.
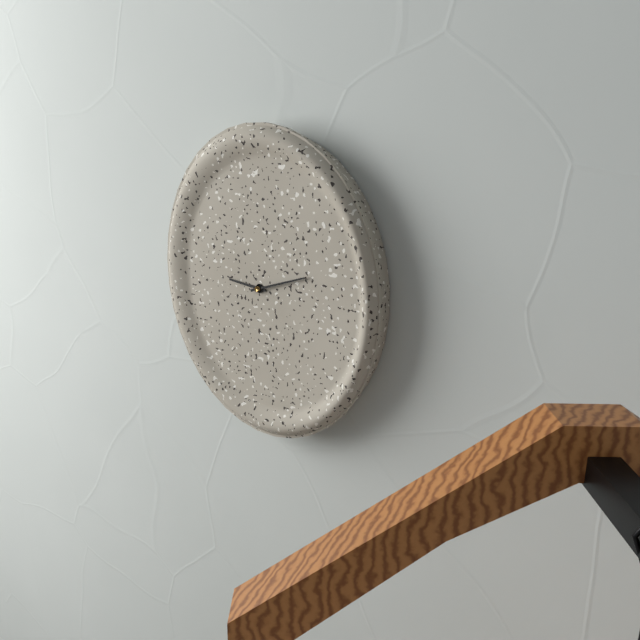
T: **9:12**
